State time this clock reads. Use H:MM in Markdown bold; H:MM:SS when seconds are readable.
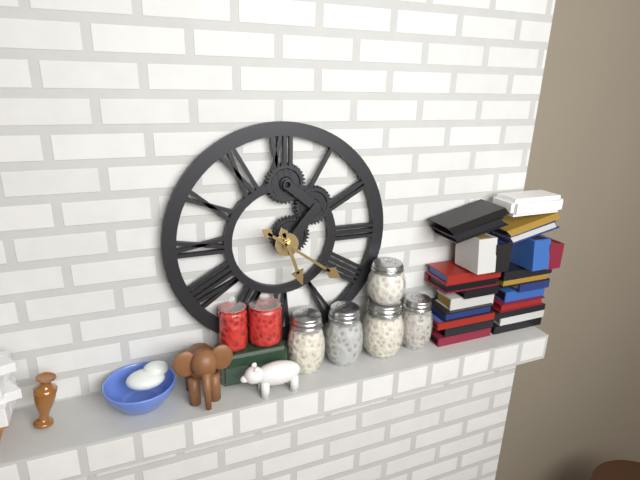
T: **5:21**
